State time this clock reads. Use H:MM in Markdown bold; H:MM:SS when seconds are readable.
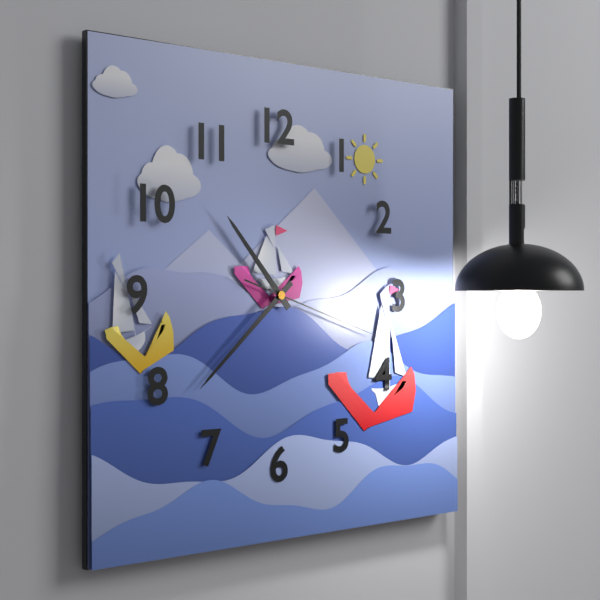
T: **10:38:18**
